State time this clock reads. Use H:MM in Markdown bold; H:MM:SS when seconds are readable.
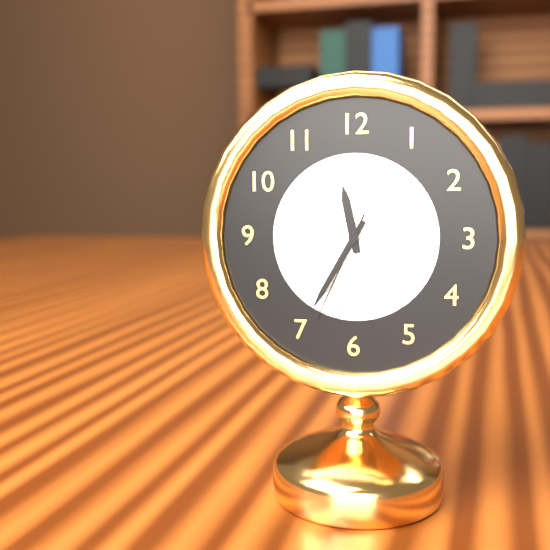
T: **11:35:34**
